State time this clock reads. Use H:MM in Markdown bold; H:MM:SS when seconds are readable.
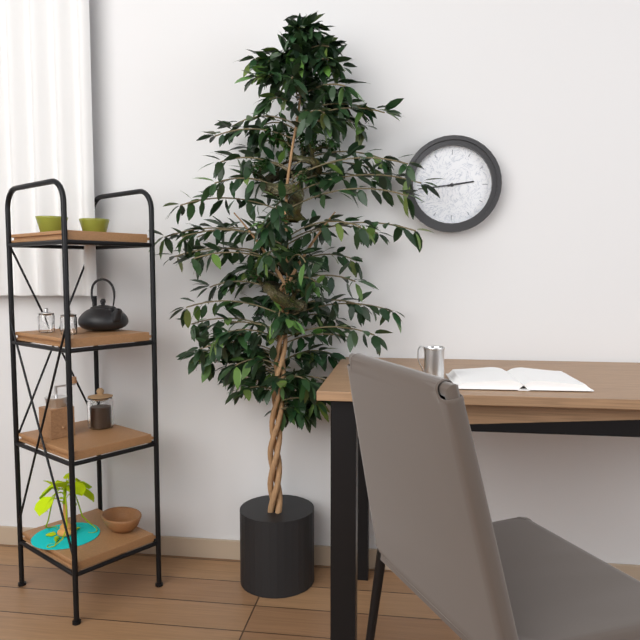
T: **2:44**
